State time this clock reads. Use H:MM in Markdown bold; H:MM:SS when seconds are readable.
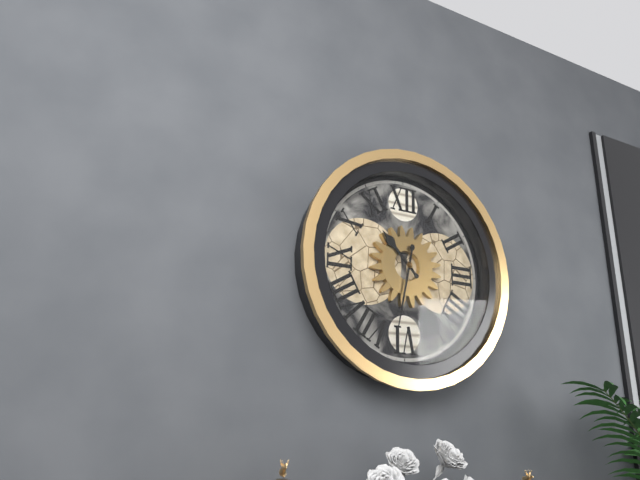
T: **10:32**
